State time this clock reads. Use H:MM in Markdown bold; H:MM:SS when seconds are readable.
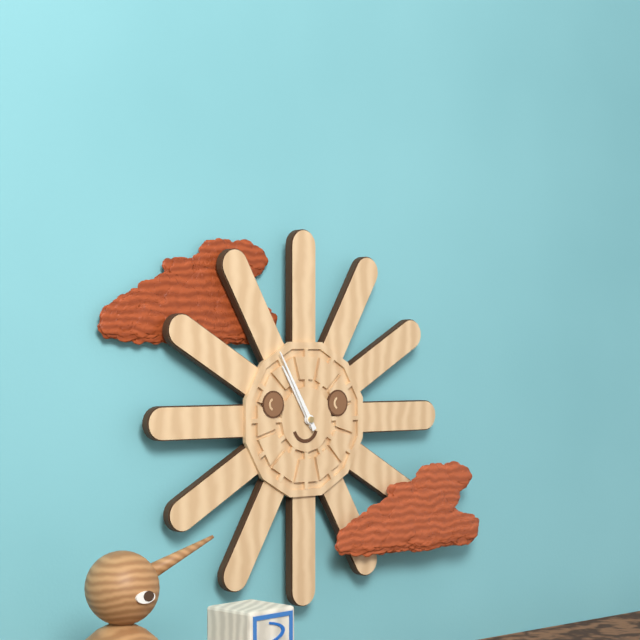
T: **10:55**
